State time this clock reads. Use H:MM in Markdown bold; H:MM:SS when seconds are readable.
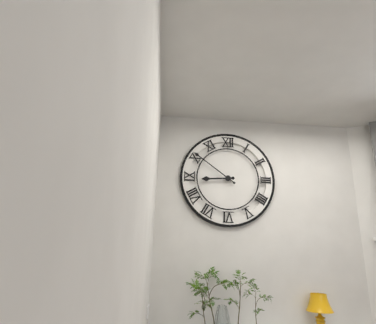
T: **8:51**
